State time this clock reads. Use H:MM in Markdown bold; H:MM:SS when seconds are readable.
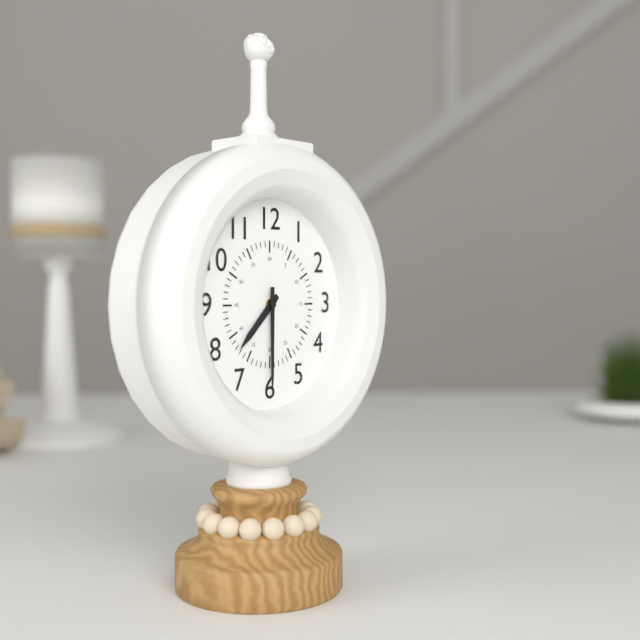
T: **7:30**
